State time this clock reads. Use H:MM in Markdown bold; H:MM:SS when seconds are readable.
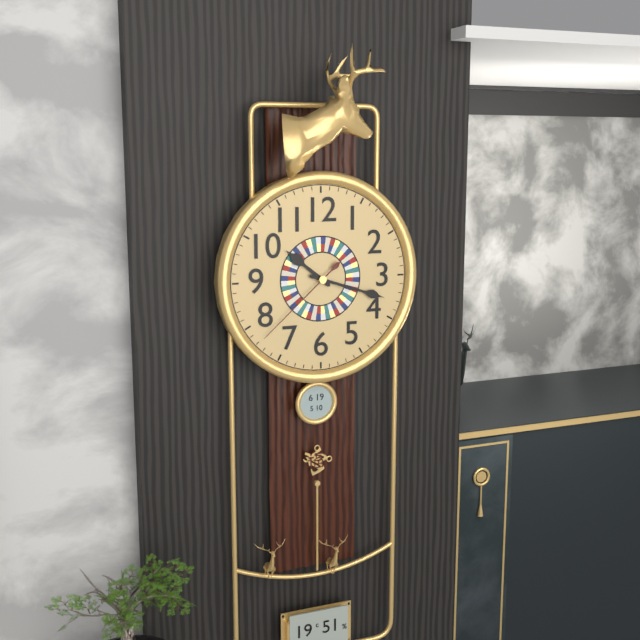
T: **10:18:38**
